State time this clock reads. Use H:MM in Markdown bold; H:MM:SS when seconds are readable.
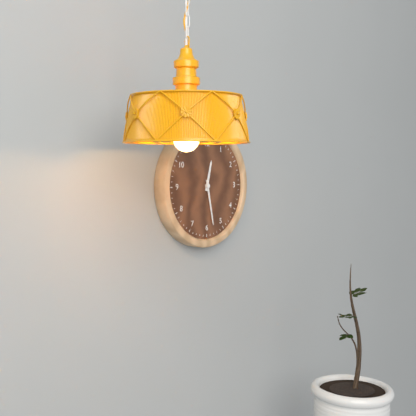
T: **12:28**
